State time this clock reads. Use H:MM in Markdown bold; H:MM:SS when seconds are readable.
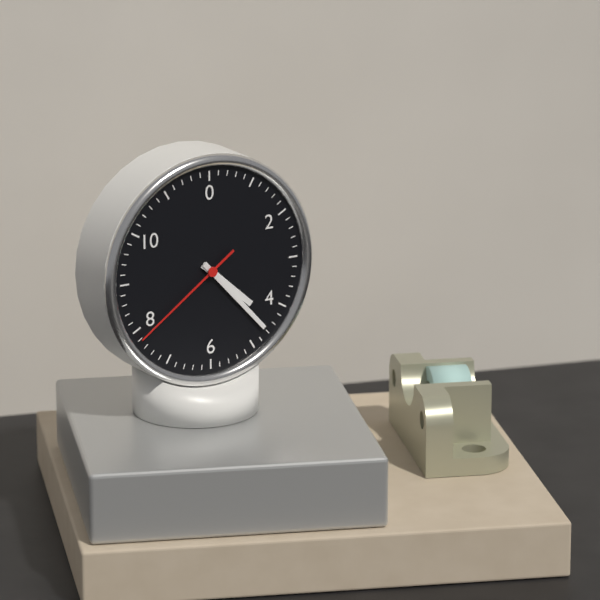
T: **4:23:39**
